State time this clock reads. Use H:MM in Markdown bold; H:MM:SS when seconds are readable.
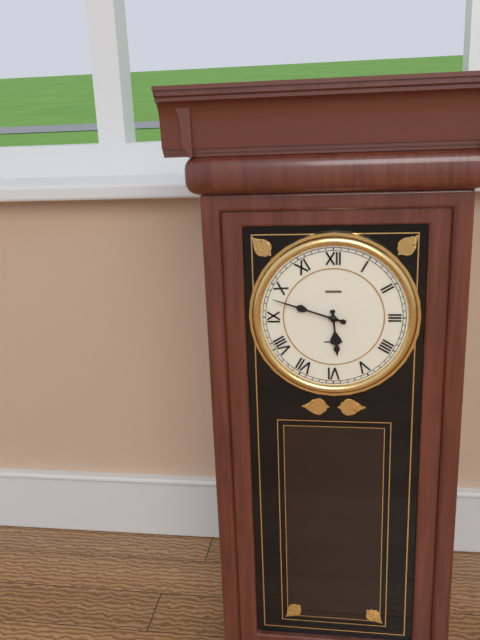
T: **5:48**
